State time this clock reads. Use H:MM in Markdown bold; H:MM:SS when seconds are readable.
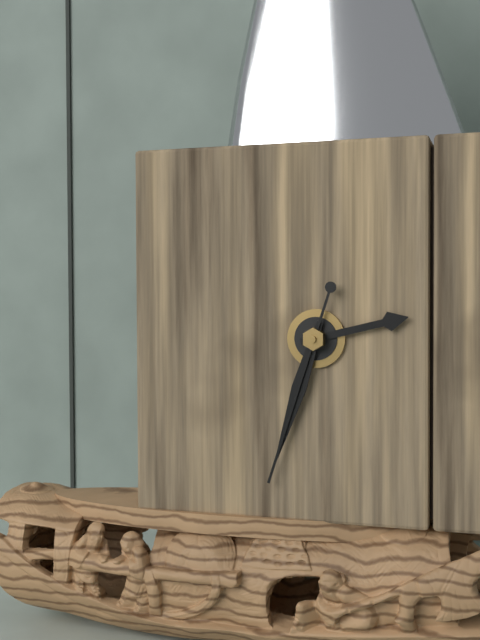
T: **2:33:33**
